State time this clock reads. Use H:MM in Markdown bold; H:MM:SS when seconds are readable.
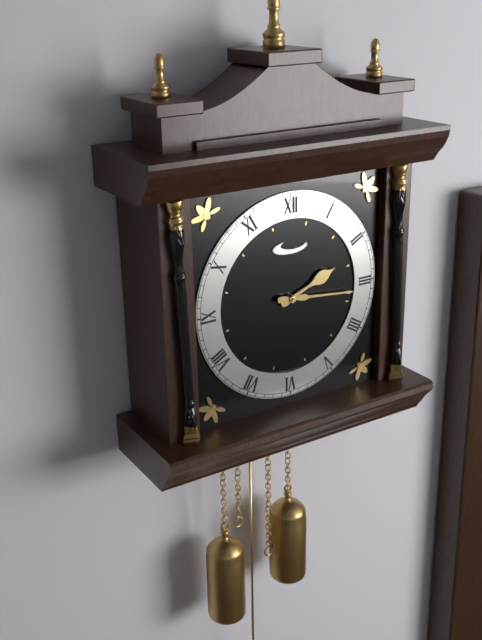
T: **2:16**
